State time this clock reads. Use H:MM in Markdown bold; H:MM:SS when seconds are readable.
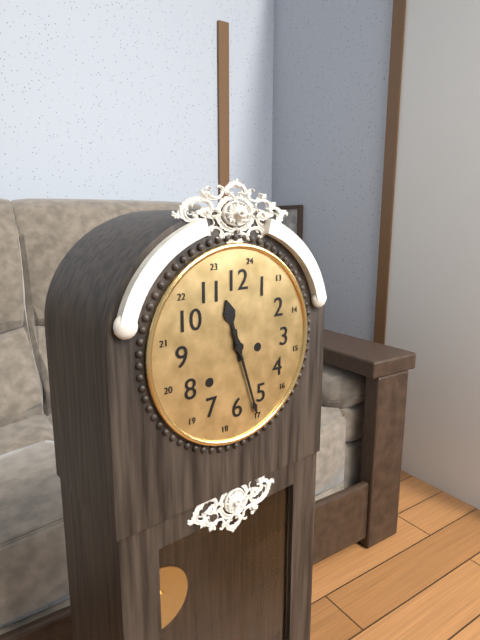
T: **11:27**
